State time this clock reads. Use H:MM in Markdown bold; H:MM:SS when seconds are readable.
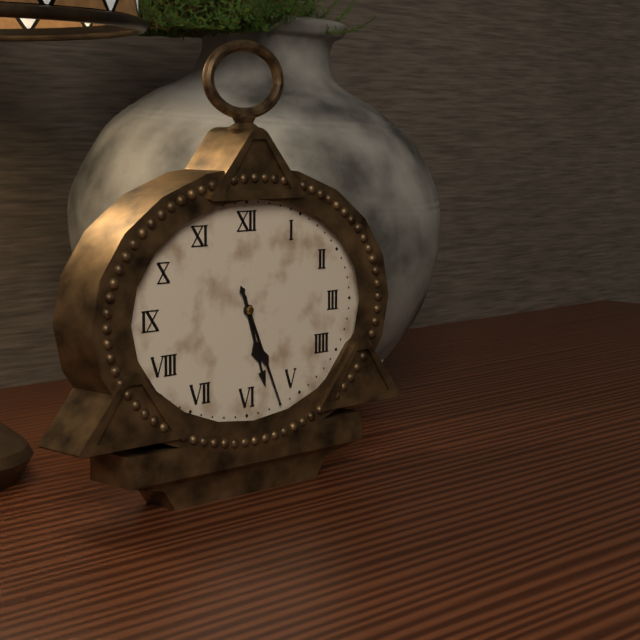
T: **5:26**
